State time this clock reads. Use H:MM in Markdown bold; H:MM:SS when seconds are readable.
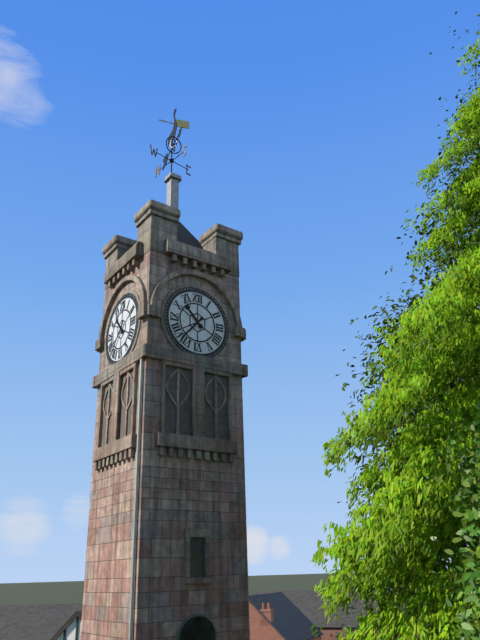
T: **10:37**
